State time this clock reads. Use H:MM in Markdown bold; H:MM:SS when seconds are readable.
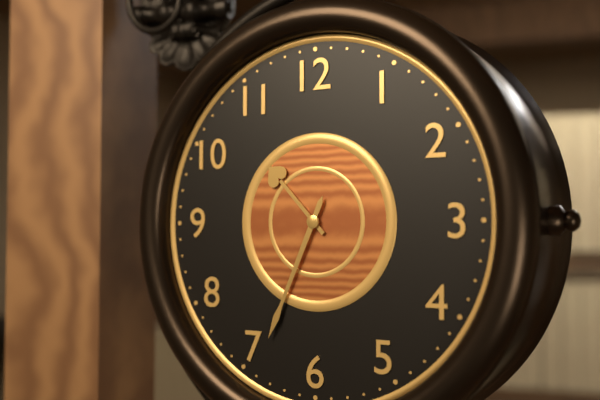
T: **10:34**
